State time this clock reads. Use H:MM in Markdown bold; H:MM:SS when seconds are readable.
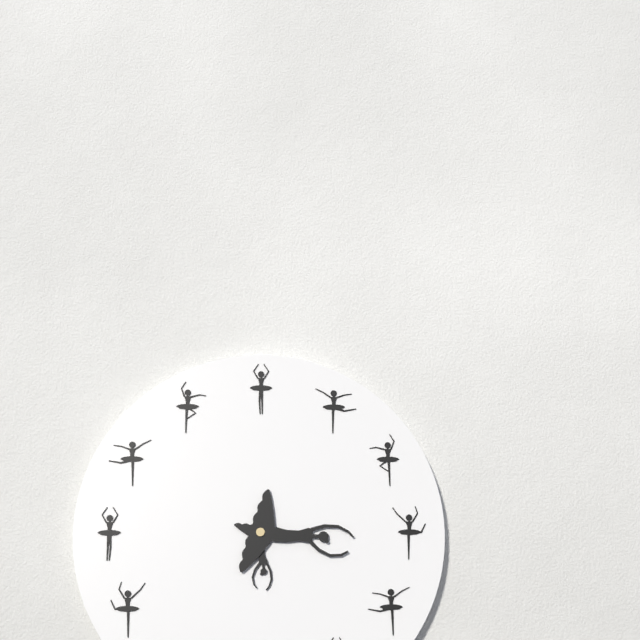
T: **6:18**
